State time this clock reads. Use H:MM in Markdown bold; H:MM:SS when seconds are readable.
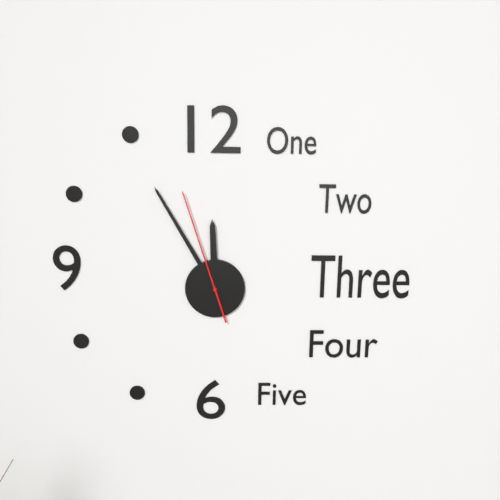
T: **11:55:57**
